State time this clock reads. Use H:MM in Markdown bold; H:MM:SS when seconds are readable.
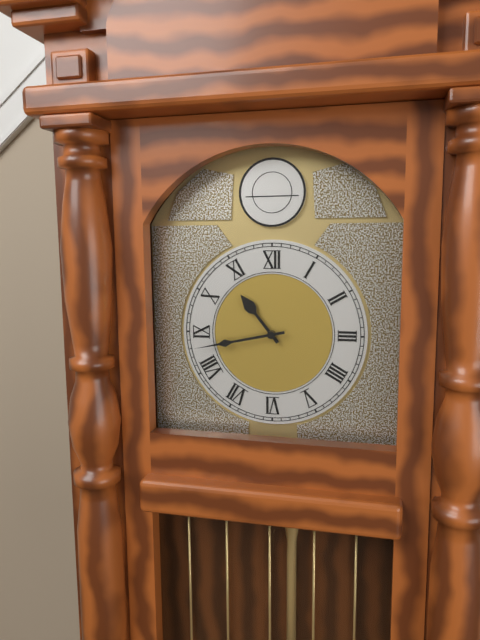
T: **10:43**
